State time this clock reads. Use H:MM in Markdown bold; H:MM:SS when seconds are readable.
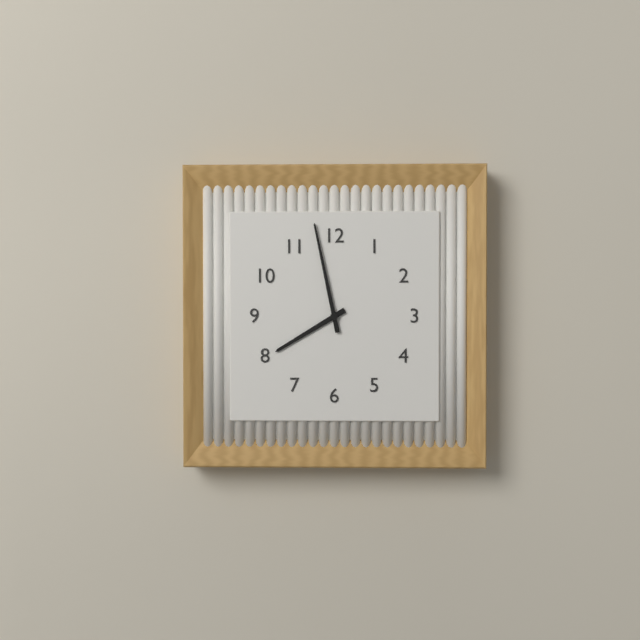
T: **7:58**
